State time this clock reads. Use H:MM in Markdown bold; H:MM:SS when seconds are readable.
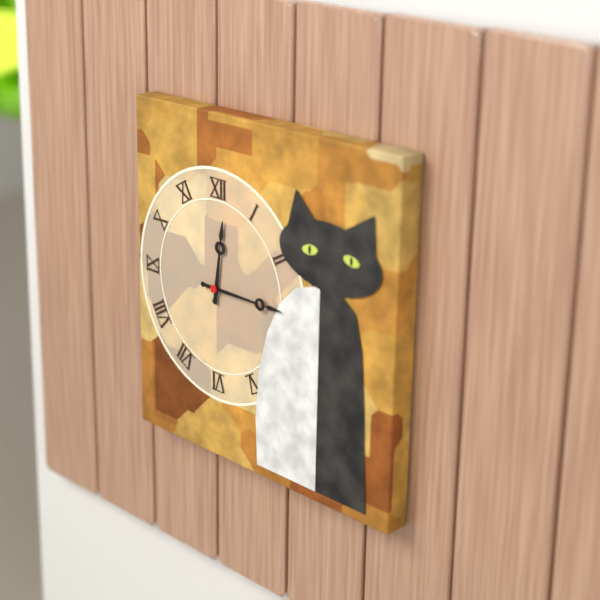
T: **12:15**
